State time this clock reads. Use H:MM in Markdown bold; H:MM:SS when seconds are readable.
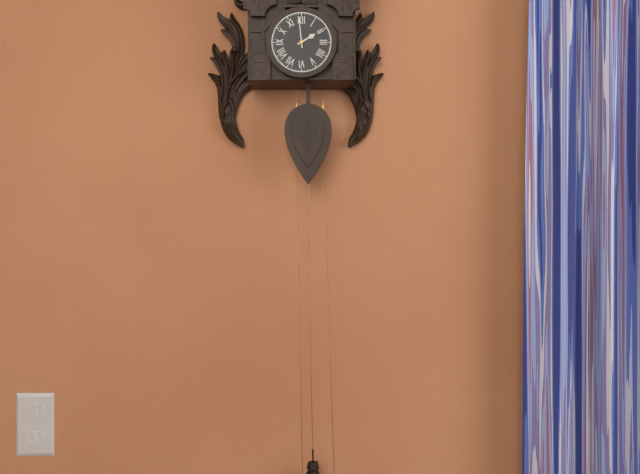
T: **1:59**
